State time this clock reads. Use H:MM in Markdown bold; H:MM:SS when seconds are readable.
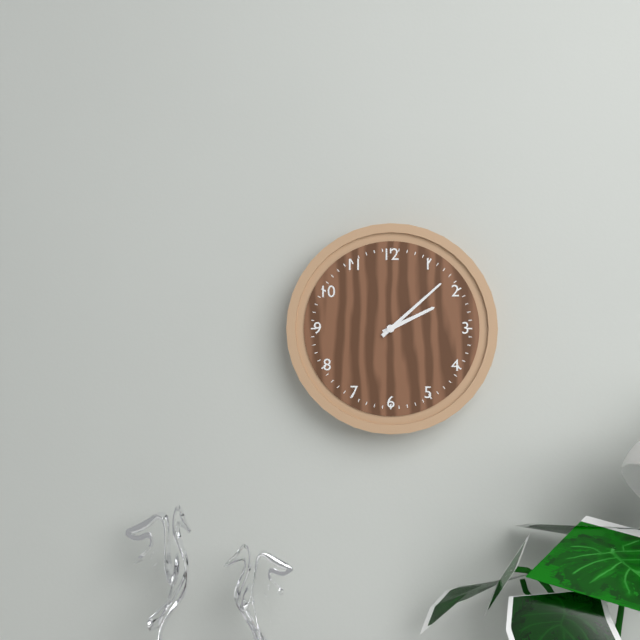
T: **2:08**
